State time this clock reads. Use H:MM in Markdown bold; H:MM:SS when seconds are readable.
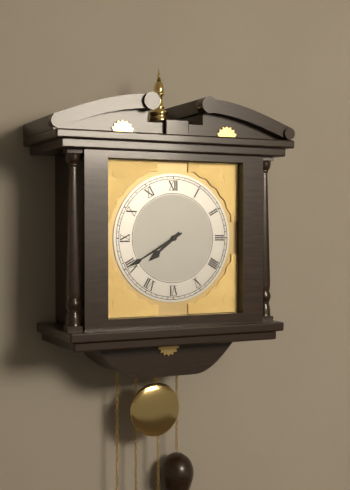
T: **7:40**
